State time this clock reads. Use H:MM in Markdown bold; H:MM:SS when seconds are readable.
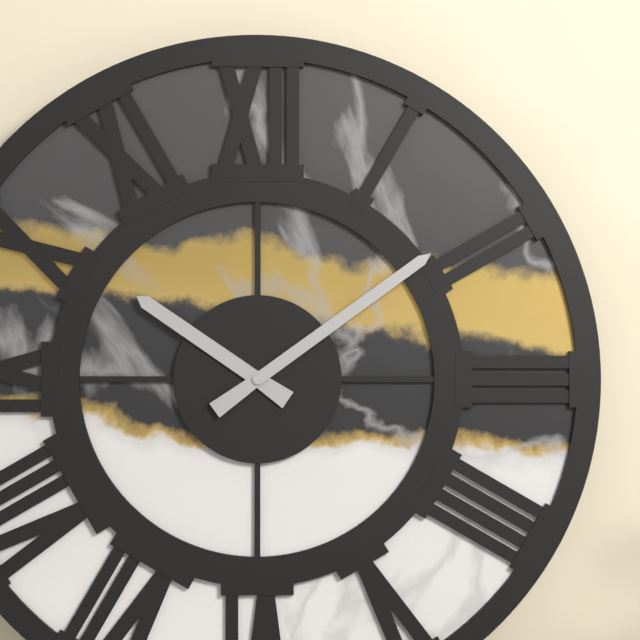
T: **10:09**
